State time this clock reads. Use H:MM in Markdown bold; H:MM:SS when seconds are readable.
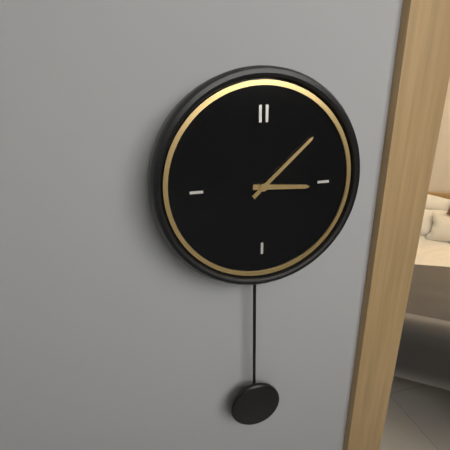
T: **3:08**
